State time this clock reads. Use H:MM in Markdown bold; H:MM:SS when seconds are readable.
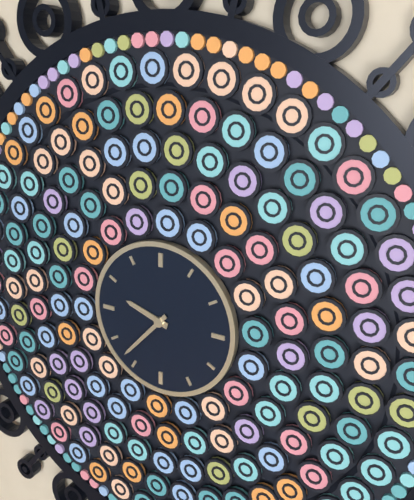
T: **9:37**
